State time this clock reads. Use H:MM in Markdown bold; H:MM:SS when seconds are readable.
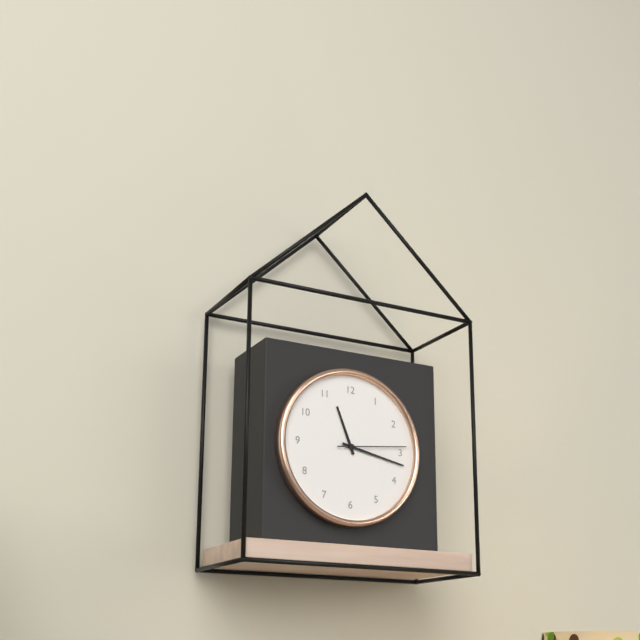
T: **11:17:14**
